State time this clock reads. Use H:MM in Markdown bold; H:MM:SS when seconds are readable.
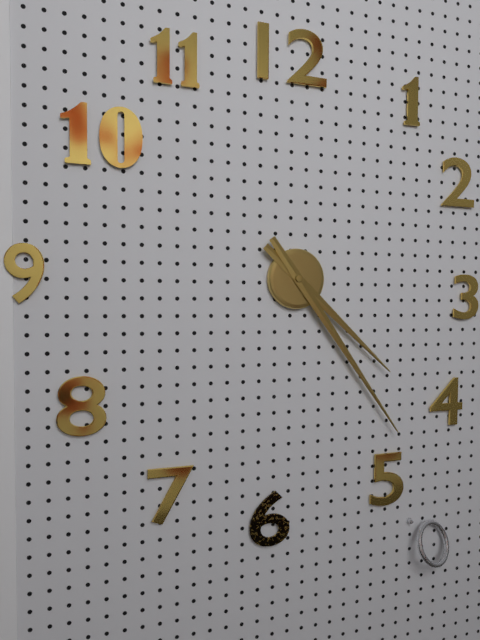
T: **4:24**
